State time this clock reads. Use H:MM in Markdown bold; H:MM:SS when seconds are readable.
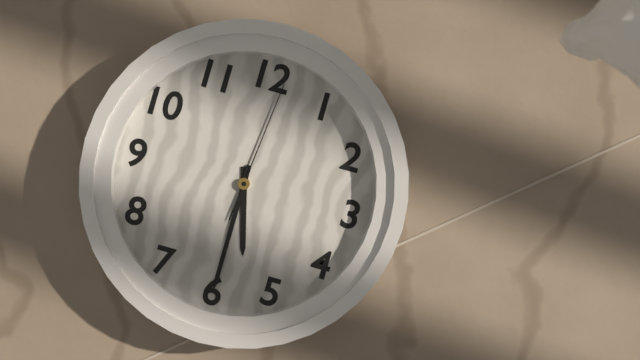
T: **5:30:01**
